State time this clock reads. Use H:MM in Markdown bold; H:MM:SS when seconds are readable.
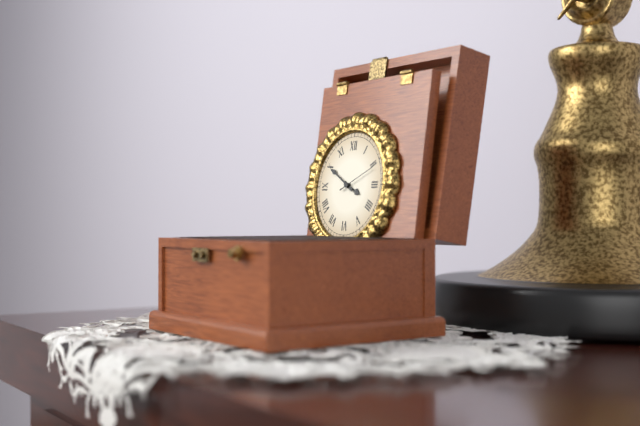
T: **3:50**
